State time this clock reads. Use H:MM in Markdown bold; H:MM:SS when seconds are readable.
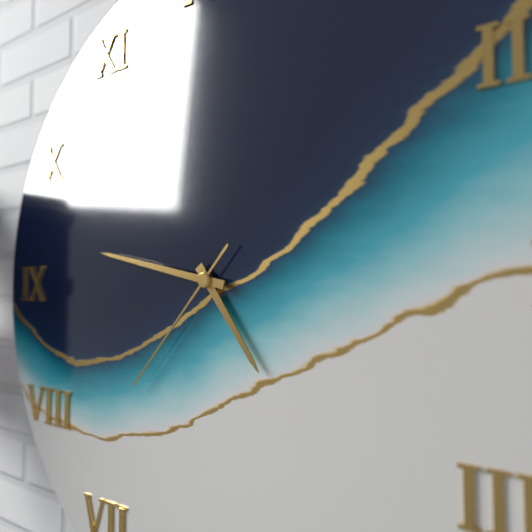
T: **4:47:37**
